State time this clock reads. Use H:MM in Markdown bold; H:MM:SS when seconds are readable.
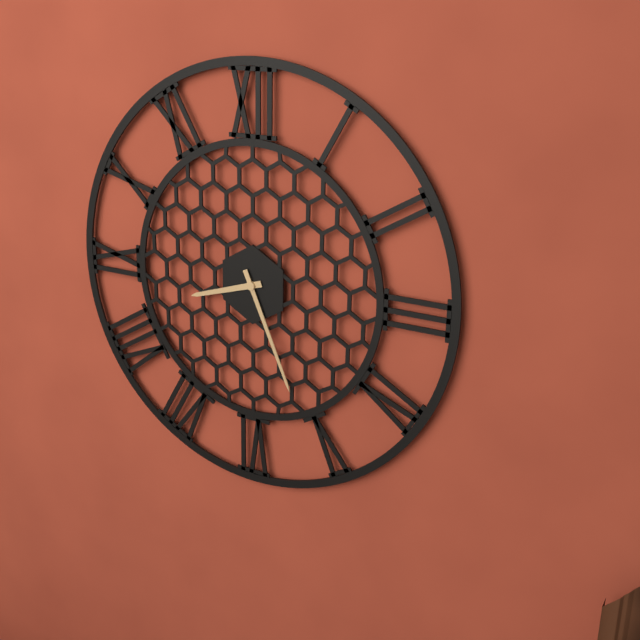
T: **8:26**
